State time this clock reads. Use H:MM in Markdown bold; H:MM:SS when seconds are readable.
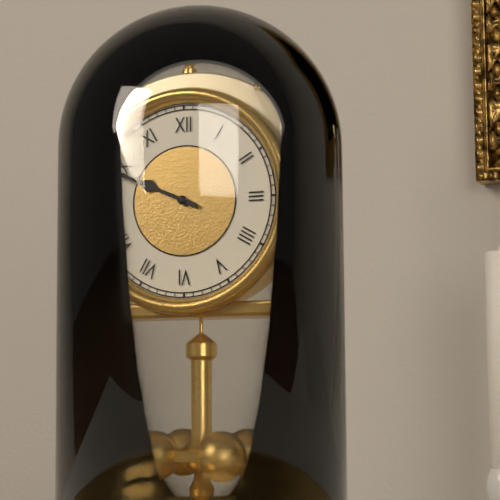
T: **9:49**
